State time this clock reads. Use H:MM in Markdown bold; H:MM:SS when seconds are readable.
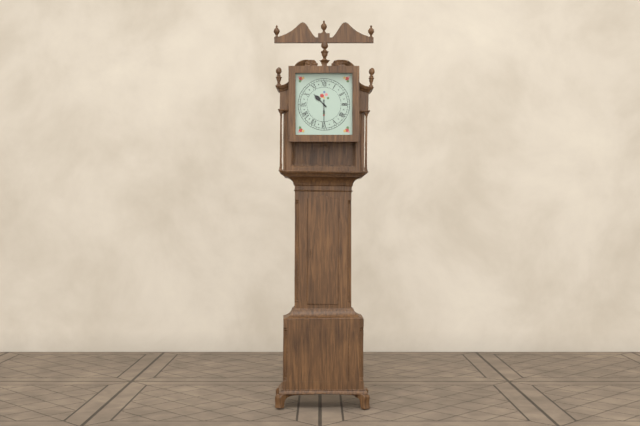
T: **10:30**
